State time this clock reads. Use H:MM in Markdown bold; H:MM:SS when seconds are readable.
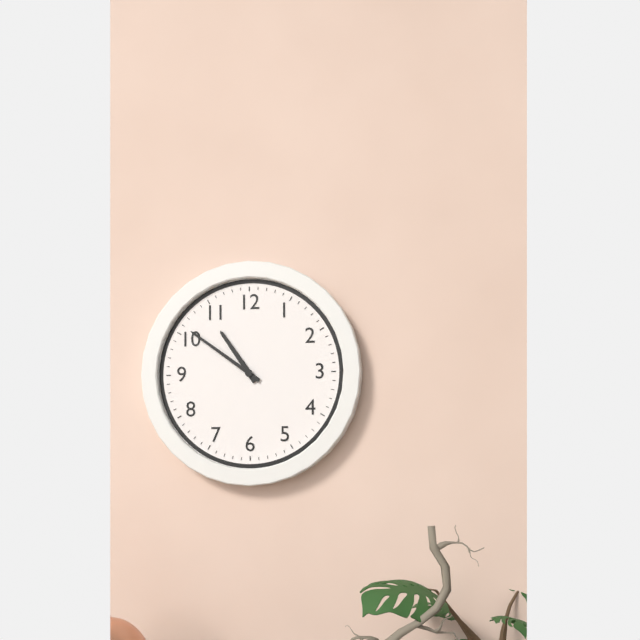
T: **10:51**
